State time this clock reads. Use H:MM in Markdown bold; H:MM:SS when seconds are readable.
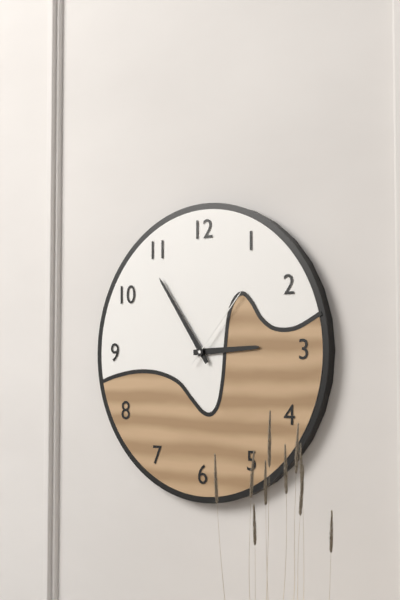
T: **2:54:07**
